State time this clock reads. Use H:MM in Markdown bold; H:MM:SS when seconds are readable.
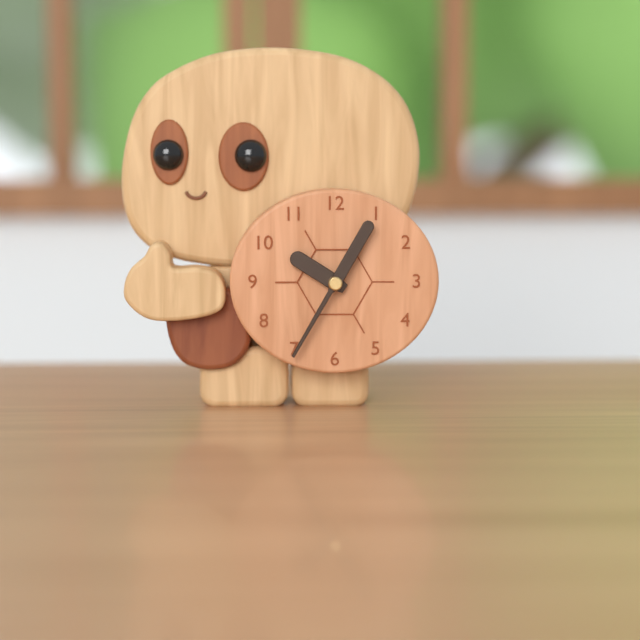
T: **10:05**
